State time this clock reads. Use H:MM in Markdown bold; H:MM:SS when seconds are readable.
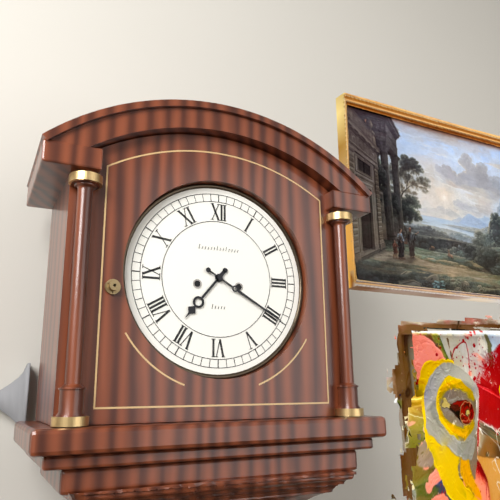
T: **7:20**
